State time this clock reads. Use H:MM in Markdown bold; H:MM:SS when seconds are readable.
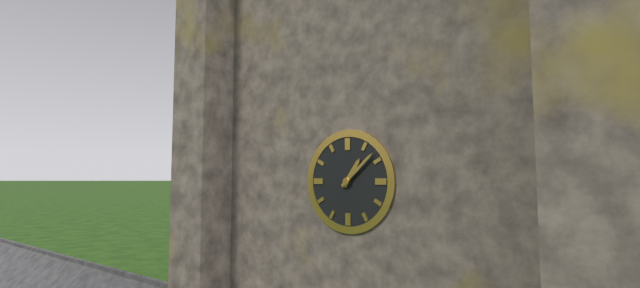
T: **1:08**
